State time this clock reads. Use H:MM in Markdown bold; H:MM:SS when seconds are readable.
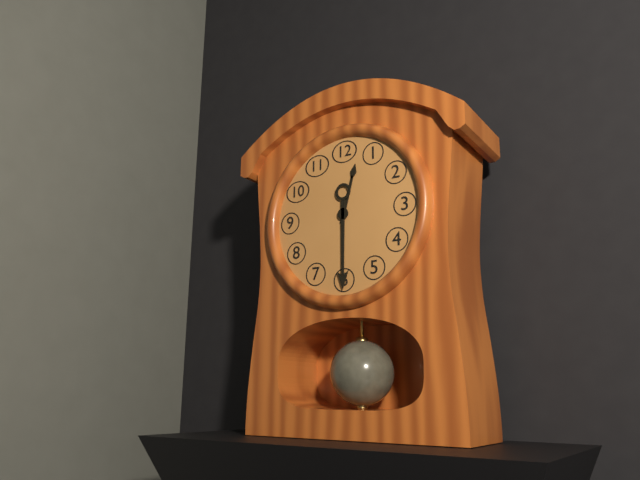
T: **12:30**
